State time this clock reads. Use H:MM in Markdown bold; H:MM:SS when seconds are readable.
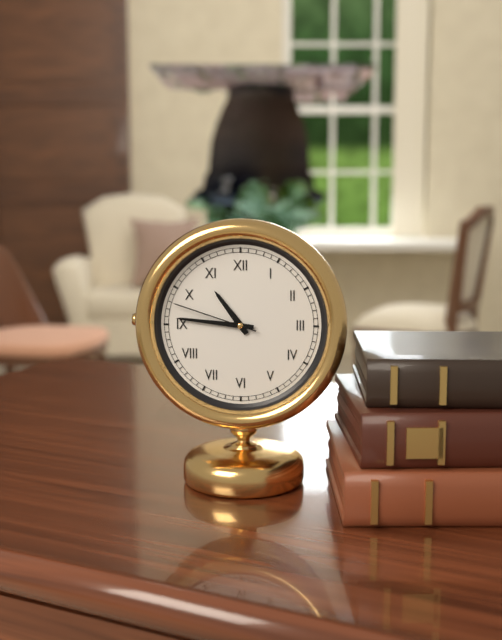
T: **10:46:48**
